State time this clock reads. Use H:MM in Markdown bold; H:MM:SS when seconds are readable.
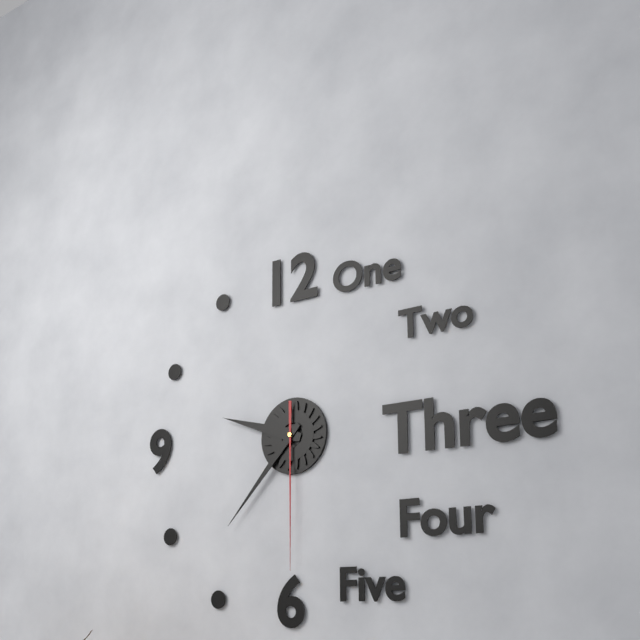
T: **9:37:30**
